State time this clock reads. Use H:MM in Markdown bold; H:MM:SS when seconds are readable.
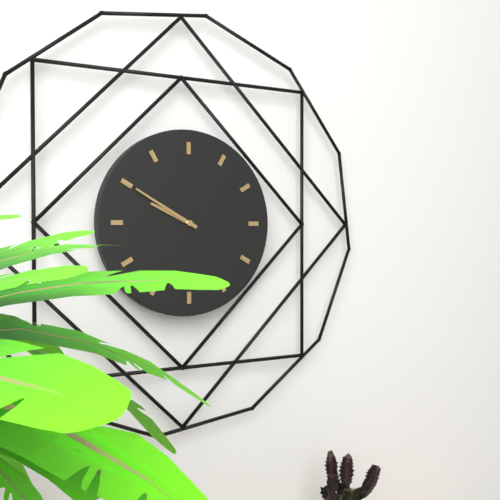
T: **9:50**
